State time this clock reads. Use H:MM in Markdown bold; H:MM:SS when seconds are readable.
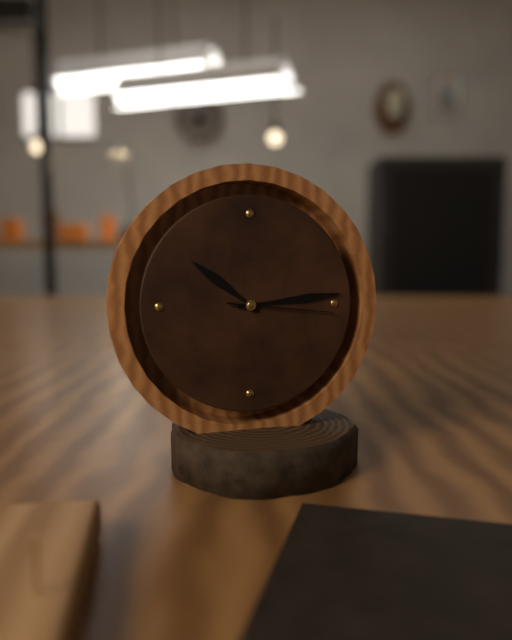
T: **10:14:16**
